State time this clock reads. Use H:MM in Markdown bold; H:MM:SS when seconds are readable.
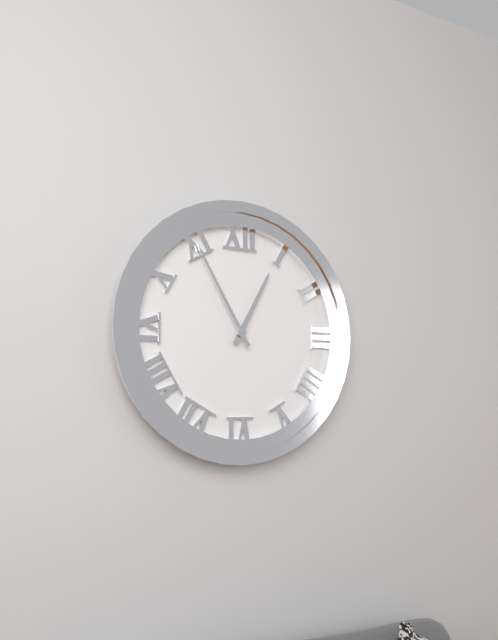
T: **12:55**
